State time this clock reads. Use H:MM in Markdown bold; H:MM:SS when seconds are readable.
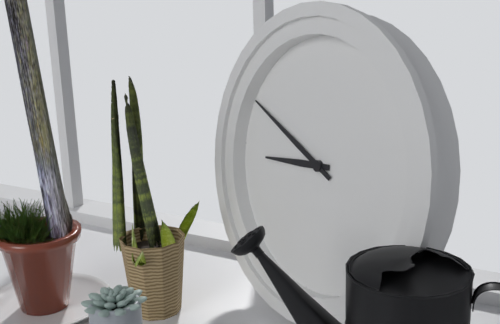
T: **8:49**
